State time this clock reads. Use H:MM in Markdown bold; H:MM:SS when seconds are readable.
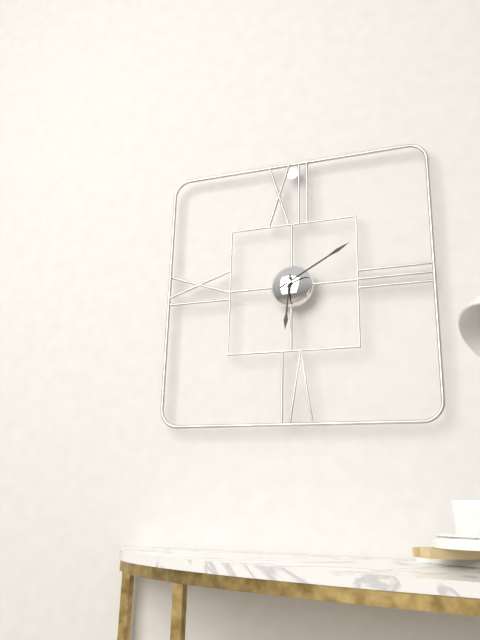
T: **6:10**
